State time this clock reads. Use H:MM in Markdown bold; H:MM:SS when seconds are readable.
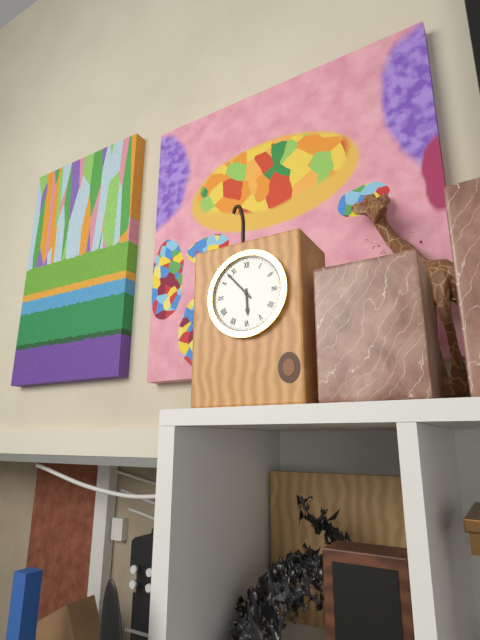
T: **5:53**
